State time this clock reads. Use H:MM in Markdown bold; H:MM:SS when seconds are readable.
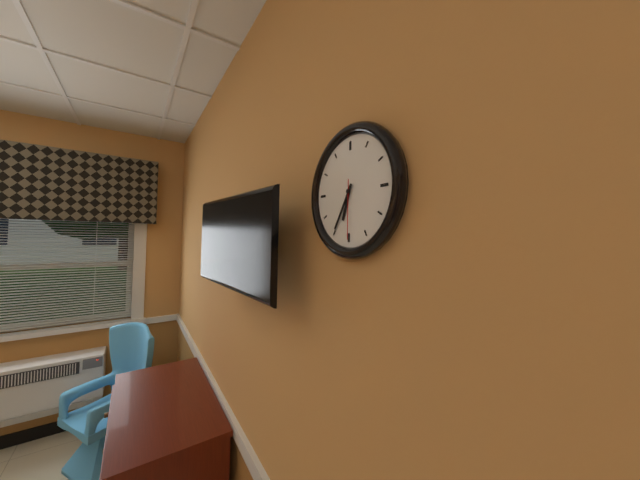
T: **6:35:30**
